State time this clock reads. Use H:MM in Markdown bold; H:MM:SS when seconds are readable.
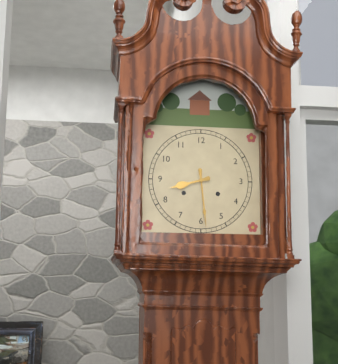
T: **8:29**
